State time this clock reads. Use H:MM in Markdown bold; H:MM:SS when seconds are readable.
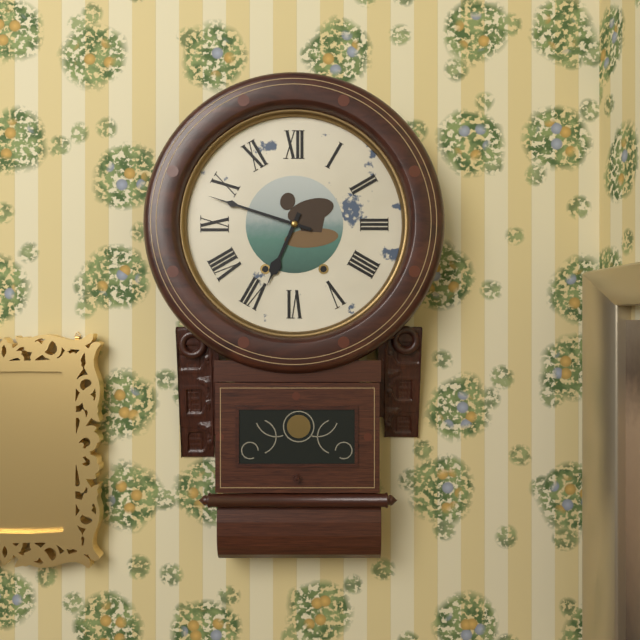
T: **6:48**
